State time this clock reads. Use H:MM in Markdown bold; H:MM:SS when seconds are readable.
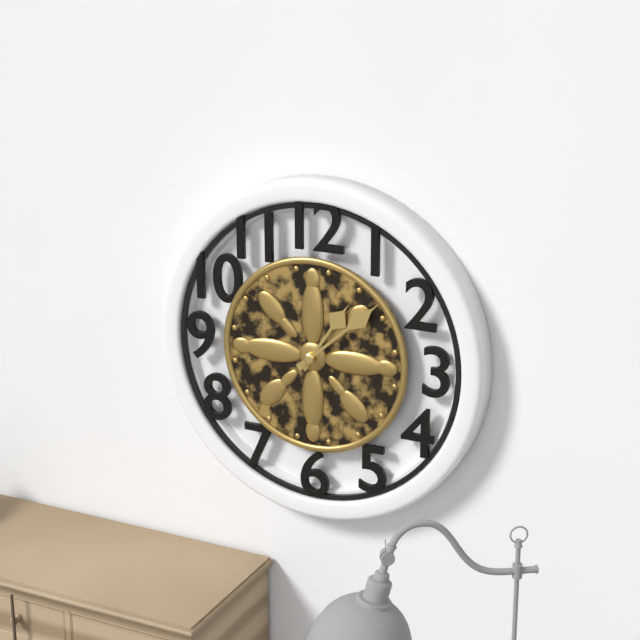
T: **1:08**
